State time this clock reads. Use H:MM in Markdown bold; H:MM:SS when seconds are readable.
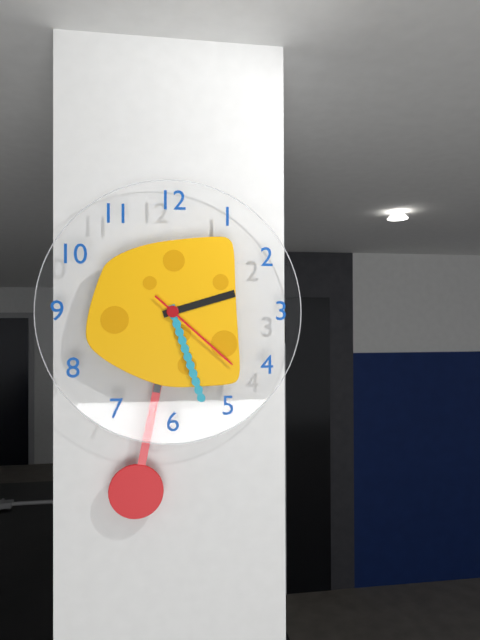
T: **2:27:22**
